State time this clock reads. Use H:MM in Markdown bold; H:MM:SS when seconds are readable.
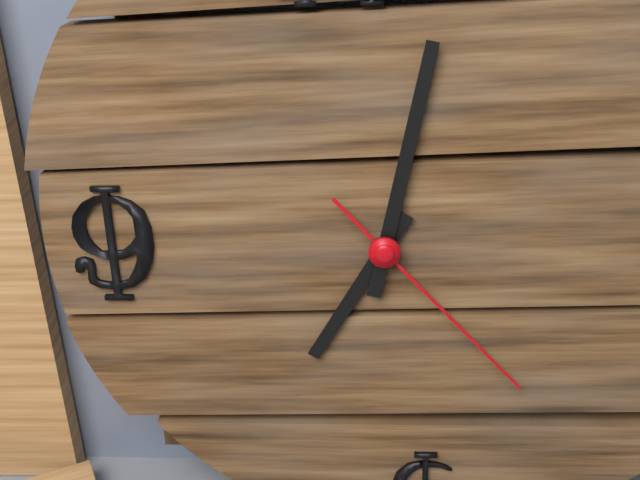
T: **7:02:23**
